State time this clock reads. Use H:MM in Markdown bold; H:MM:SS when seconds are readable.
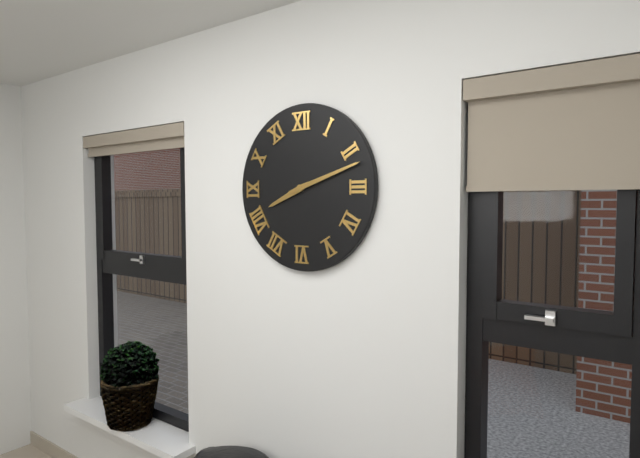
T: **8:12**
